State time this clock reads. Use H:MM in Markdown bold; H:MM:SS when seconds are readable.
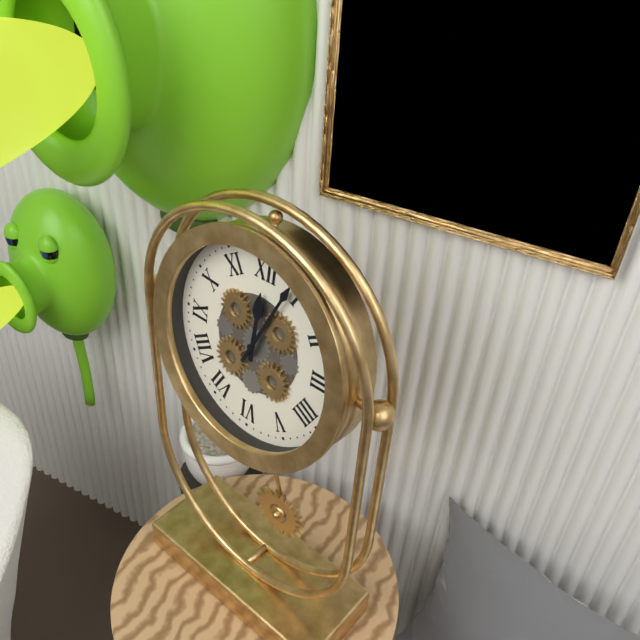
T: **12:04**
